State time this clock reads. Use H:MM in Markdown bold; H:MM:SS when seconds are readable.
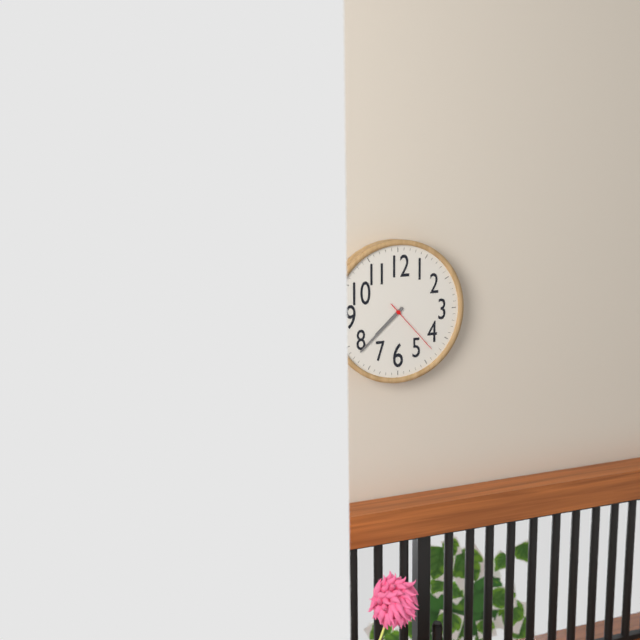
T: **7:38:23**
